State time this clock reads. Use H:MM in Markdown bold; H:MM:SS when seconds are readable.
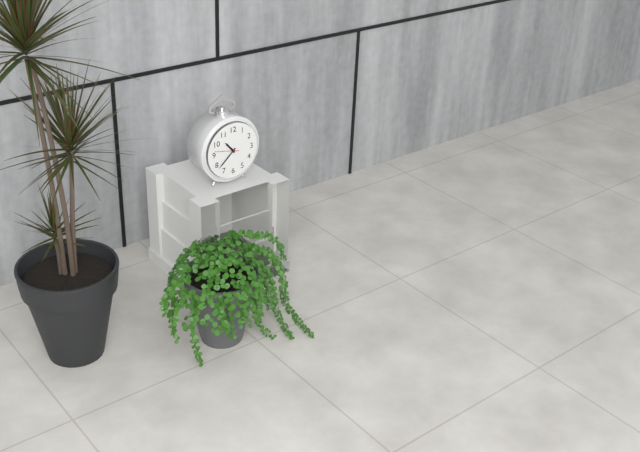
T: **10:38**
